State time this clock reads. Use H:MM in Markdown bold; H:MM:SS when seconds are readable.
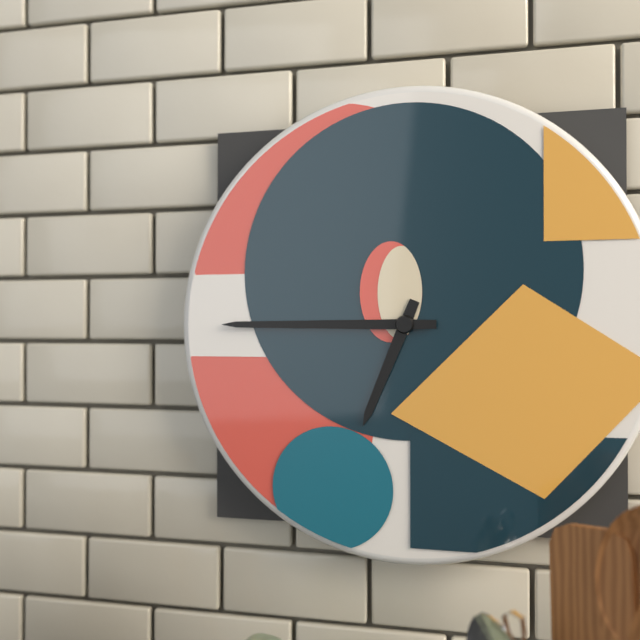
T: **6:45**
